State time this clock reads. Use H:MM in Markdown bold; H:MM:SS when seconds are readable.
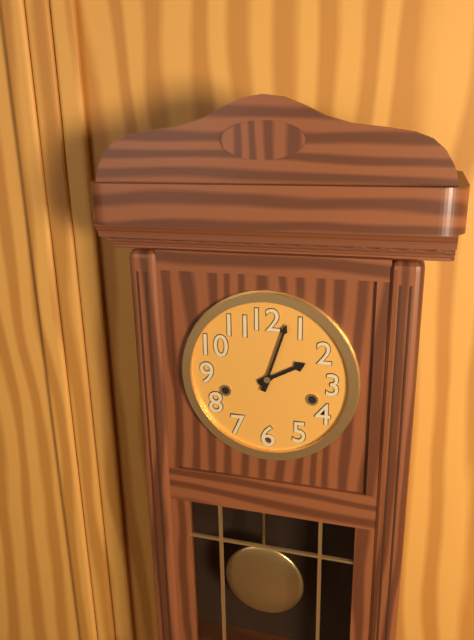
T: **2:03**
